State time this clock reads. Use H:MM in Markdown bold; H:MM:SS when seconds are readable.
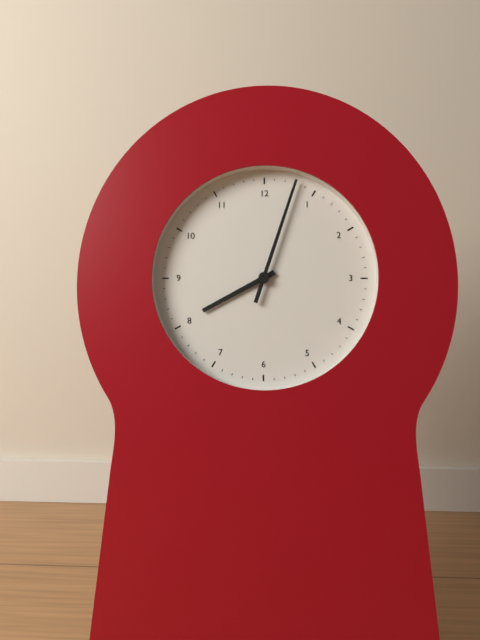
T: **8:03**
